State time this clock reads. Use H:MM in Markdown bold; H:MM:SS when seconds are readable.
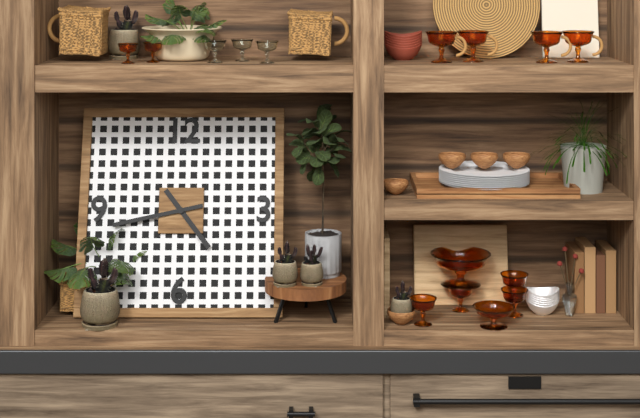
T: **4:43**
